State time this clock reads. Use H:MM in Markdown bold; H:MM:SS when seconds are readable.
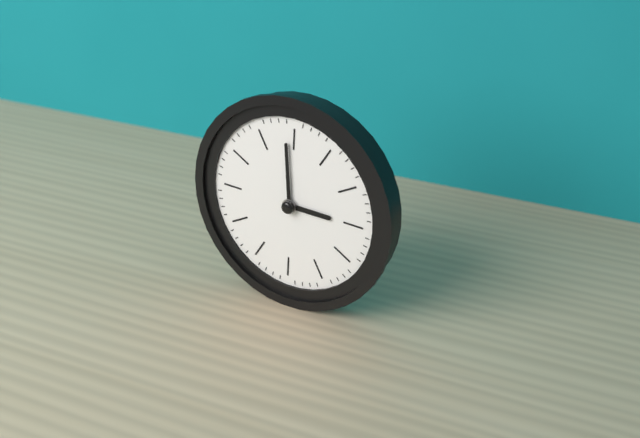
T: **2:59**
